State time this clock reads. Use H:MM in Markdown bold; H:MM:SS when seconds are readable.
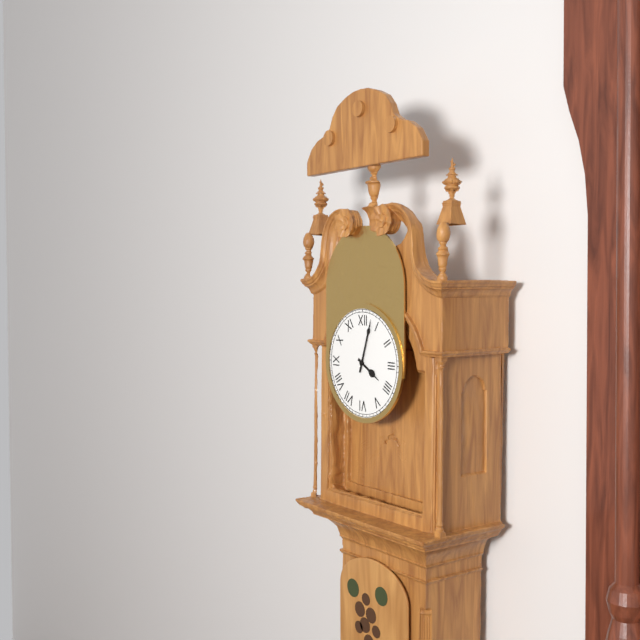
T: **4:03**
